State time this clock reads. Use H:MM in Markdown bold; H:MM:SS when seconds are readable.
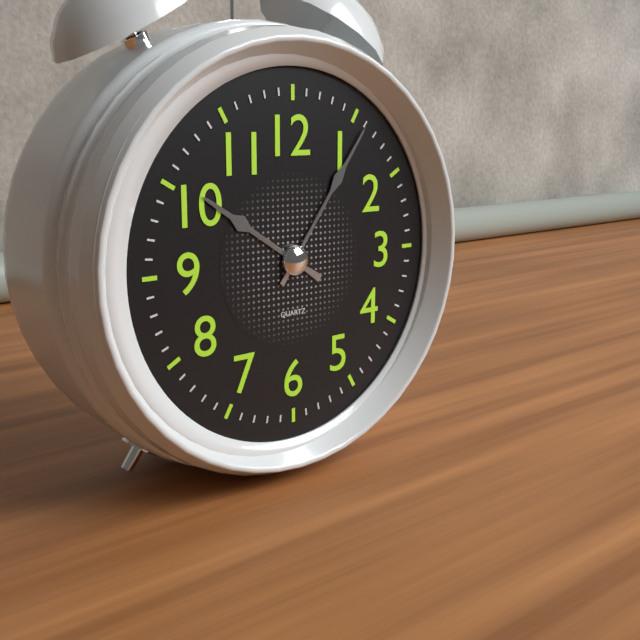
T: **10:06**
